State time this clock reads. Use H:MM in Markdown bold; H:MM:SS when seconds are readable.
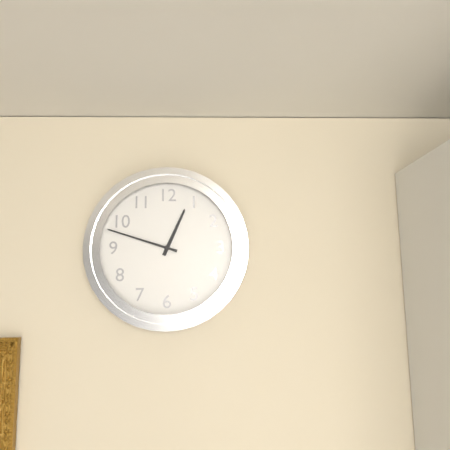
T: **12:48**
